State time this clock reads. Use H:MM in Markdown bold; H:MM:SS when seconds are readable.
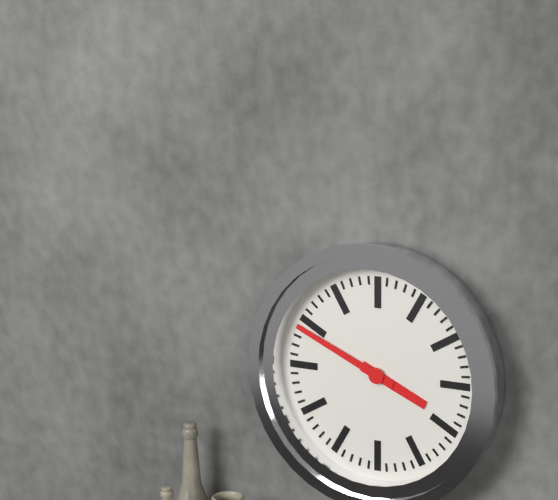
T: **3:49**
